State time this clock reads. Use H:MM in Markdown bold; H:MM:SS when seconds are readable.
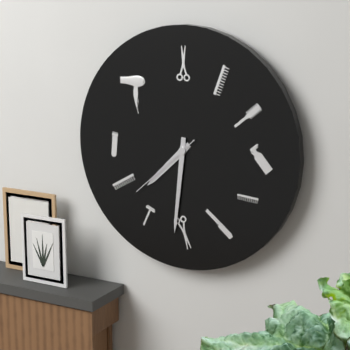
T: **7:31:38**
